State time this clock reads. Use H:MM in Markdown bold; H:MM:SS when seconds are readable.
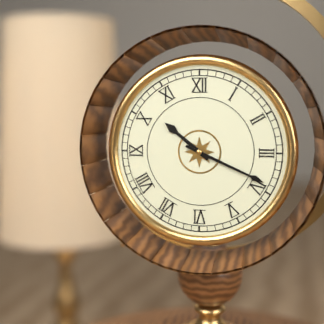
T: **10:19**
